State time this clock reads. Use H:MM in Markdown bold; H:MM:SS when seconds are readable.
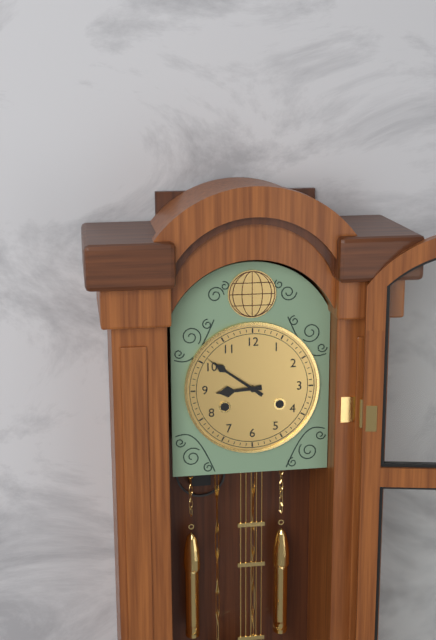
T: **8:51**
